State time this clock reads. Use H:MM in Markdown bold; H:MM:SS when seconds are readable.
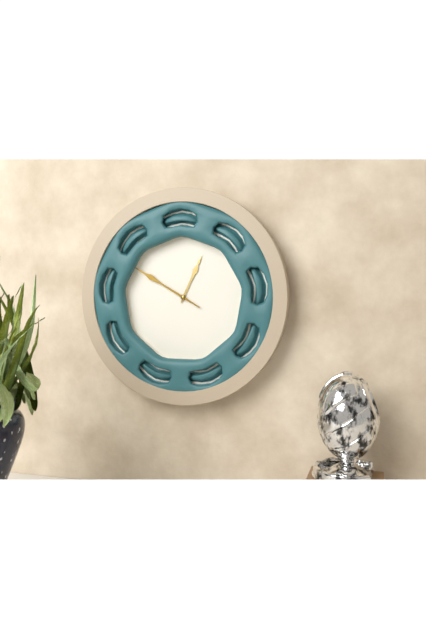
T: **12:50**
